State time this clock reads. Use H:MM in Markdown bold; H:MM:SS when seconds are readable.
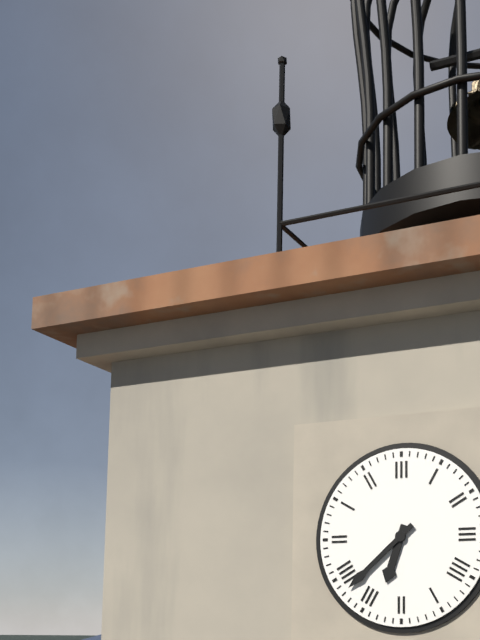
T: **6:38**
